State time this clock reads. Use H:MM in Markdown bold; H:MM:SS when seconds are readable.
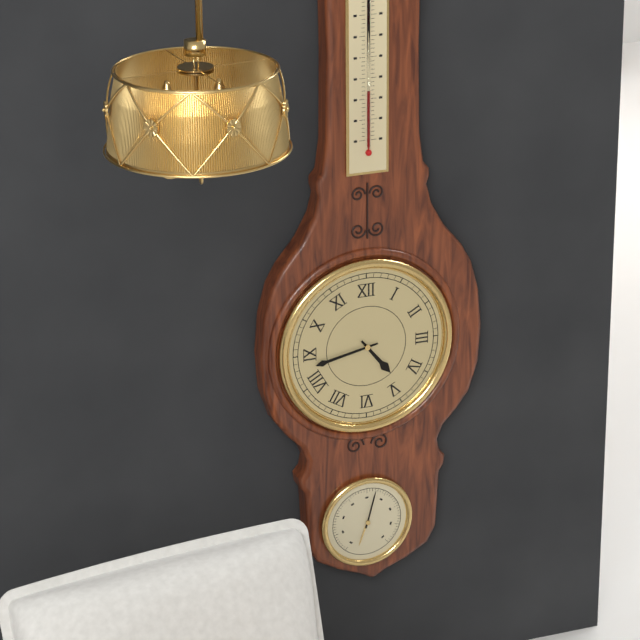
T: **4:43**
